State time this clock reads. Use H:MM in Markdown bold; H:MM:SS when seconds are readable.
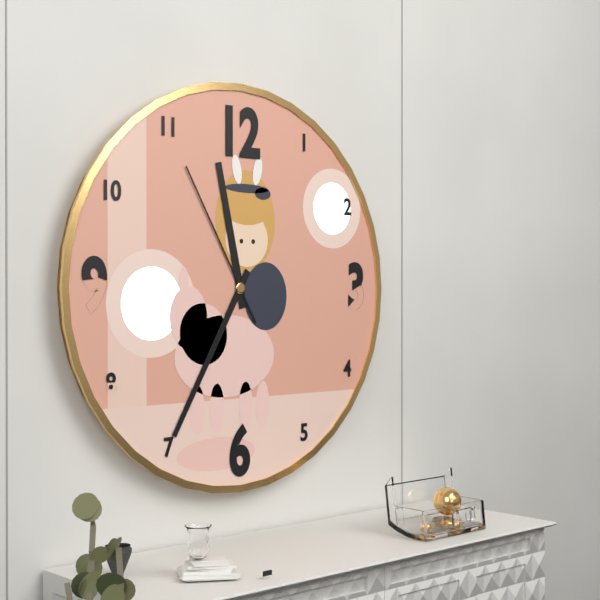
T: **11:35:55**
